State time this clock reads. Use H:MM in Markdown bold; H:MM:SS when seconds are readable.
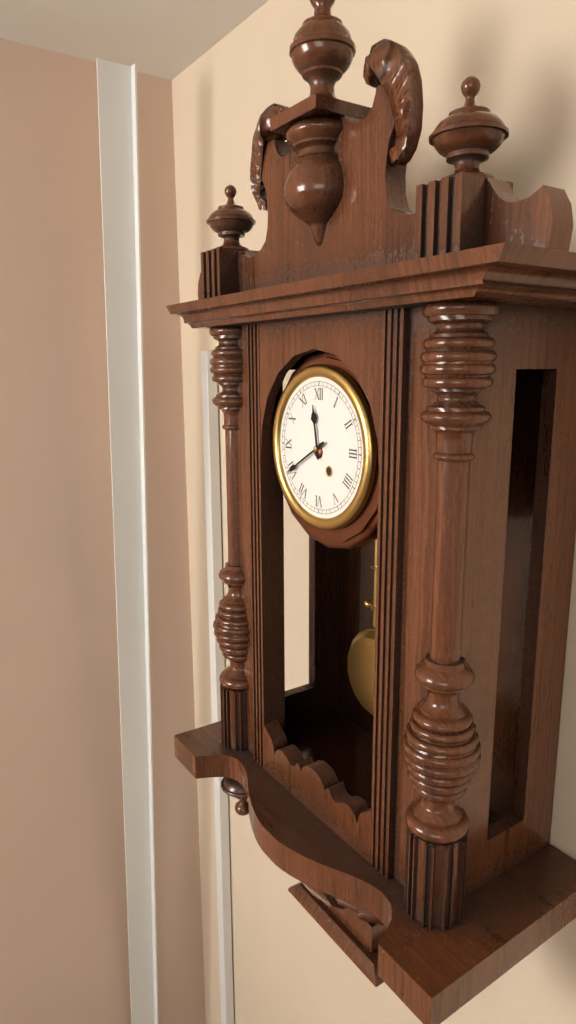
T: **11:40**
